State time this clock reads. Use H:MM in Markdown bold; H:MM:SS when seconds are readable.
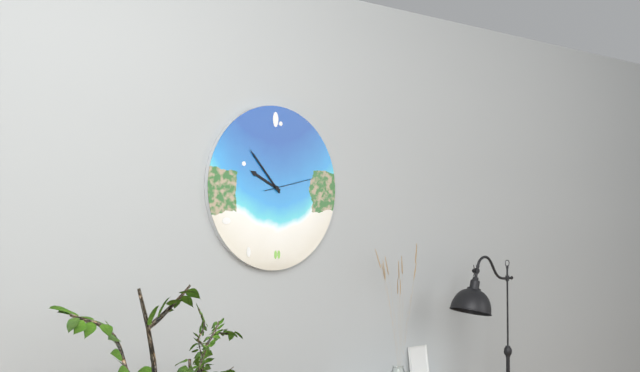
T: **9:53**
